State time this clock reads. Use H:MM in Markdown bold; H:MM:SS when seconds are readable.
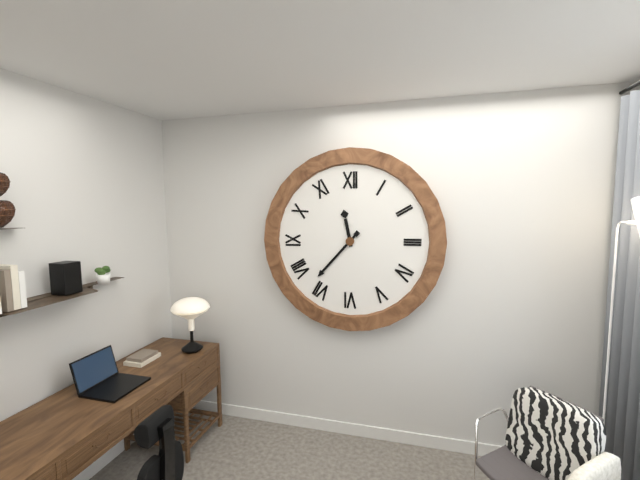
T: **11:37**
